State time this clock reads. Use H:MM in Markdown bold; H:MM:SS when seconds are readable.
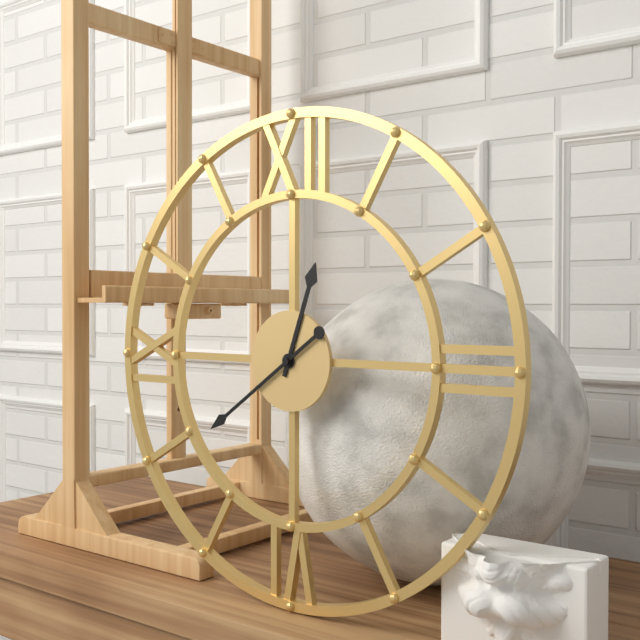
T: **12:39**
